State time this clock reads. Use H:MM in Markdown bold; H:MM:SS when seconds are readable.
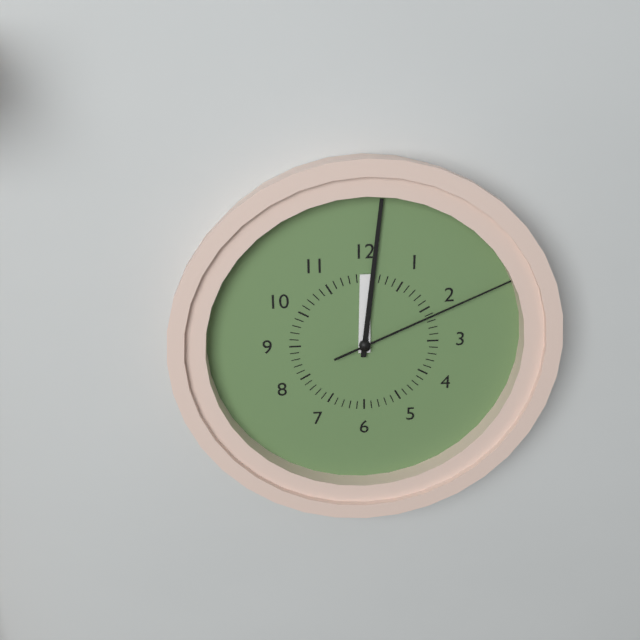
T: **12:01:11**
